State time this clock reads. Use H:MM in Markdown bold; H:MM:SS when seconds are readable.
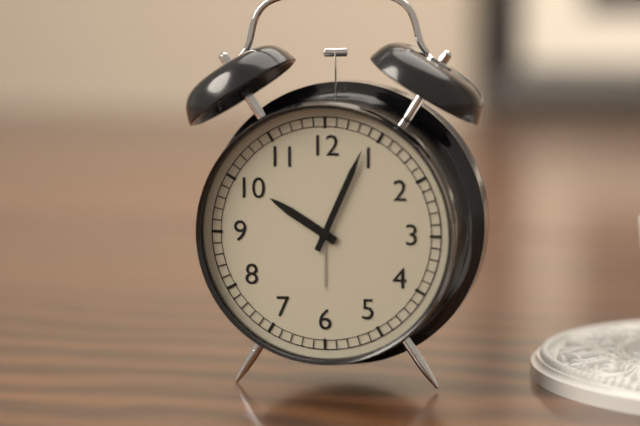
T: **10:04**
